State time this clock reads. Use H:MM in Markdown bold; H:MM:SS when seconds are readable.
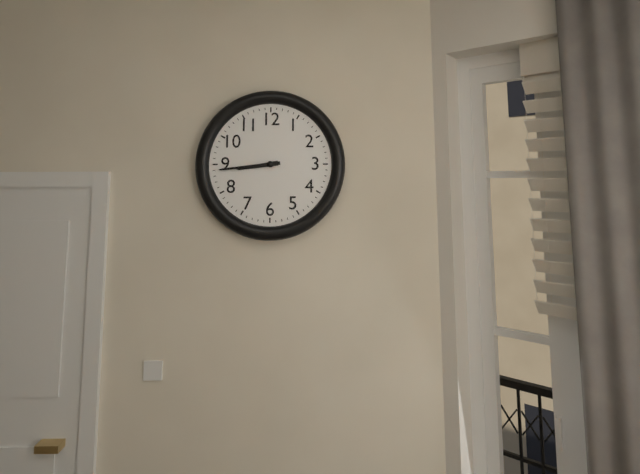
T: **8:44**
